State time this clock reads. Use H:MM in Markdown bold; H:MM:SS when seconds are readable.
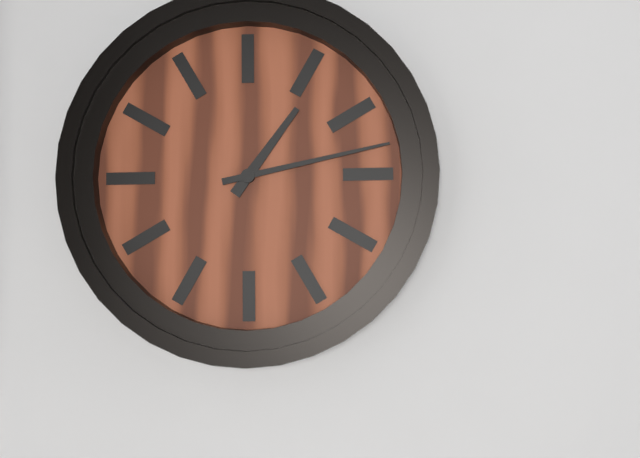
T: **1:13**
